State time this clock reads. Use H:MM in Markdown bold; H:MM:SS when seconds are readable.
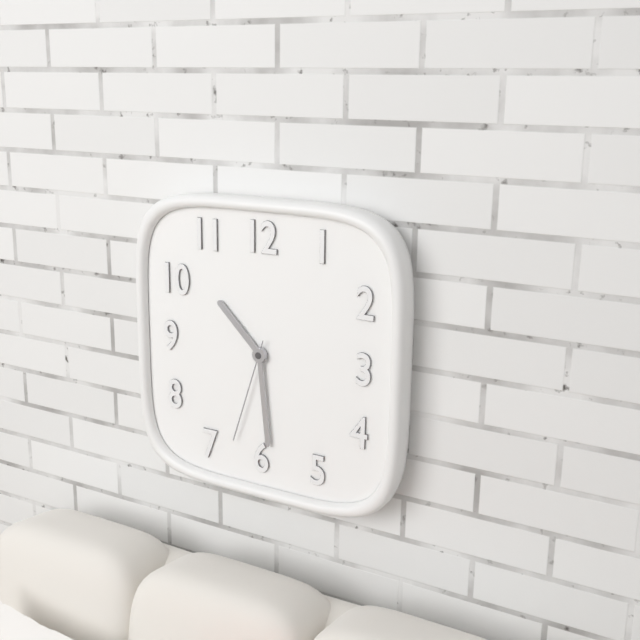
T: **10:29:33**
